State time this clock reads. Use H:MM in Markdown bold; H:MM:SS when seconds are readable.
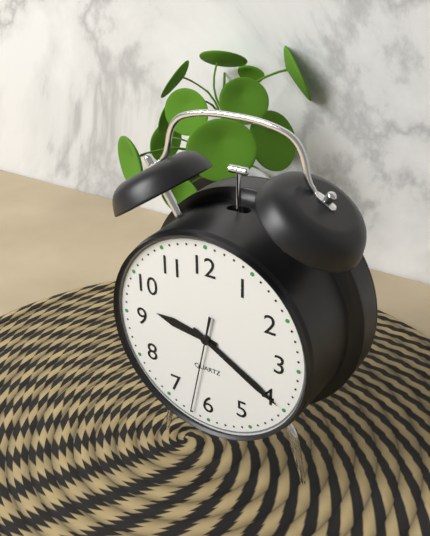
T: **9:20:32**
